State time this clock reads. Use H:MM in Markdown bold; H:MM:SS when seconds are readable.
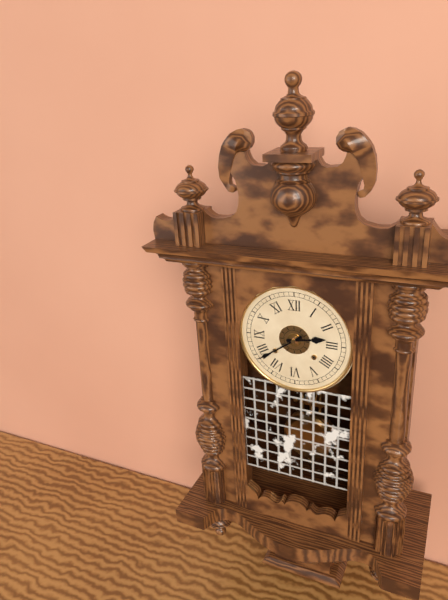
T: **2:39**
